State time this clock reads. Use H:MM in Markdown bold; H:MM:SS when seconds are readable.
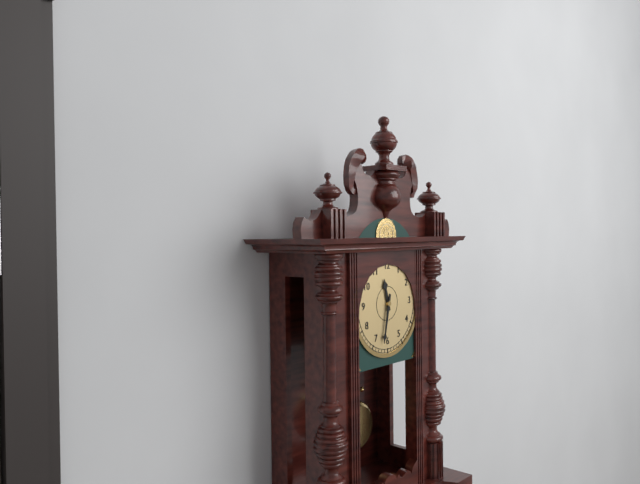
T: **11:32**
